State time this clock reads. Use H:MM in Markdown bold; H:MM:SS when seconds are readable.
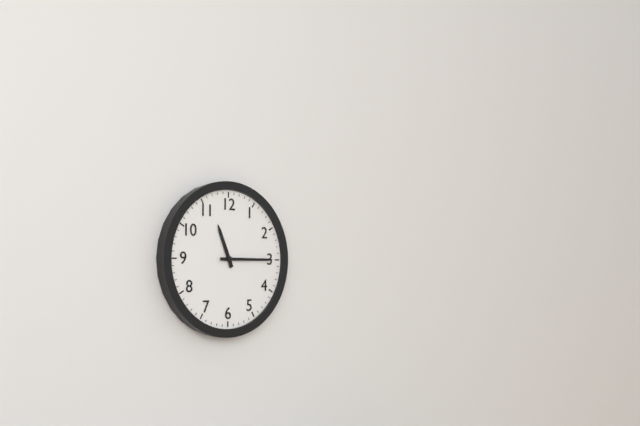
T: **11:15**
